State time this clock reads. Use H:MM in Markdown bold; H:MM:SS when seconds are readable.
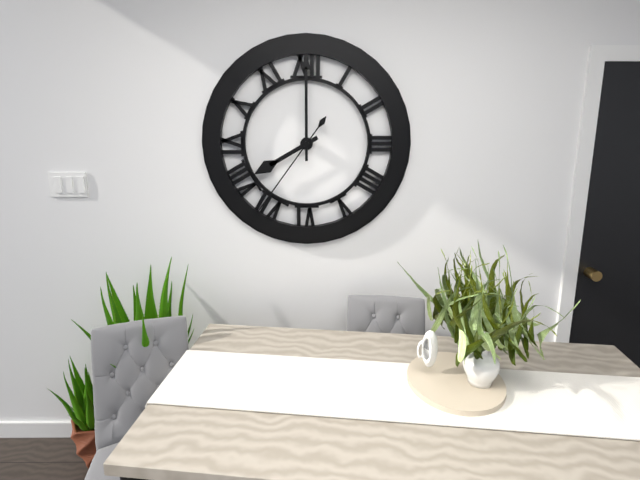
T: **8:00:36**
